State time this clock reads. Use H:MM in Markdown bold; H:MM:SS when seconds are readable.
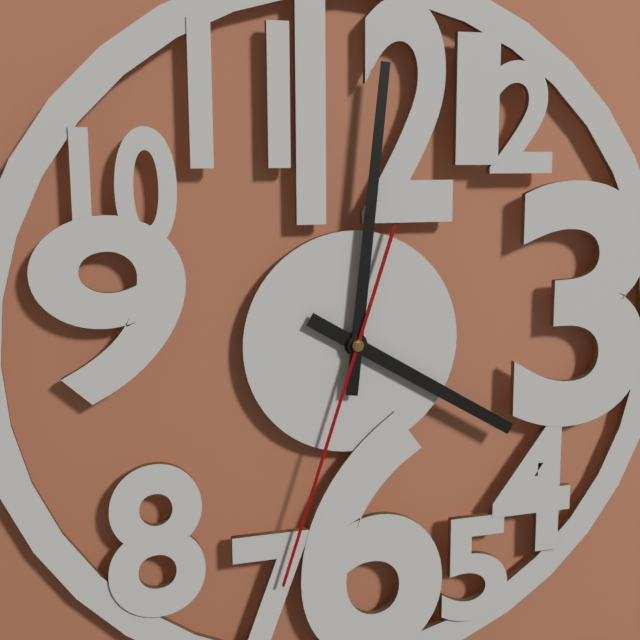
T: **4:01:33**
